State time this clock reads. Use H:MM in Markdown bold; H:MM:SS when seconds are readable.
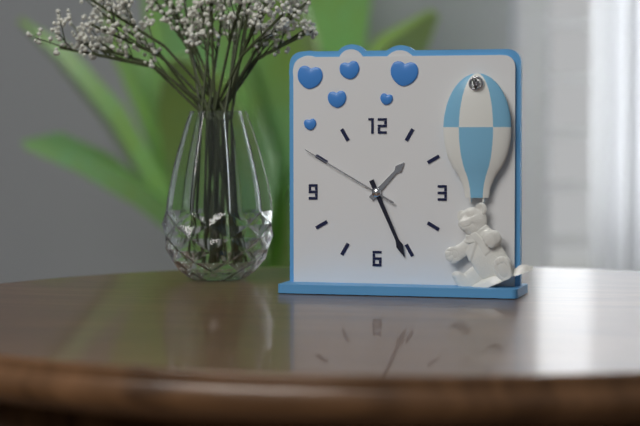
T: **1:26:50**
